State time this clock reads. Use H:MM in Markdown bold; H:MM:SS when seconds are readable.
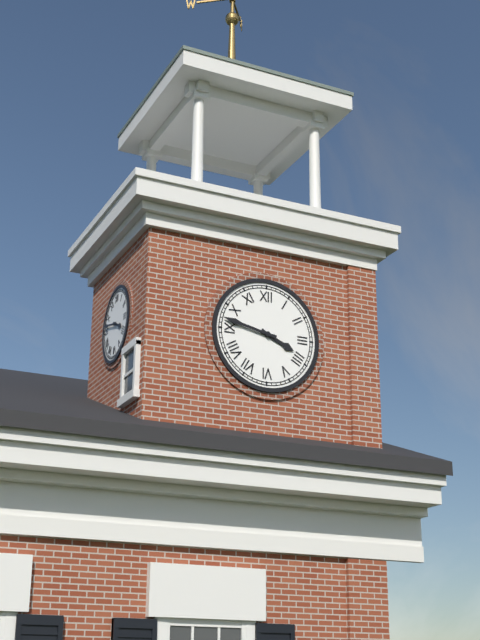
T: **3:47**
